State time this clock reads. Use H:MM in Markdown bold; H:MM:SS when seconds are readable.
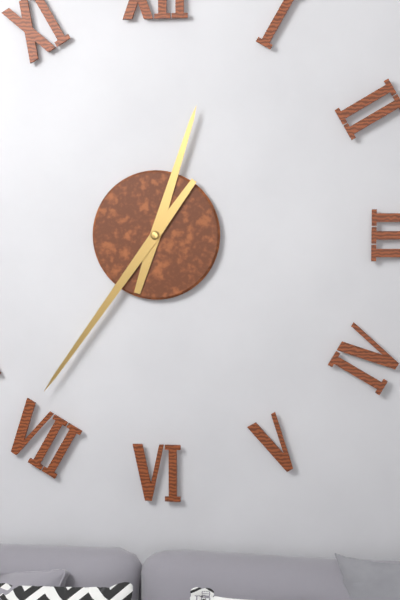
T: **12:36**
